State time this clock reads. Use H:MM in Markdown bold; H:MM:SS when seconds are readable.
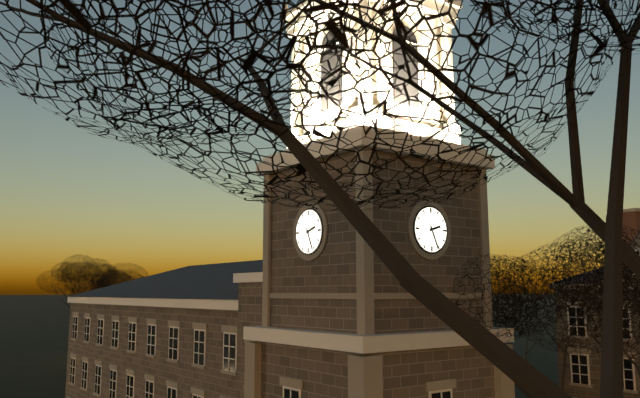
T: **2:26**
